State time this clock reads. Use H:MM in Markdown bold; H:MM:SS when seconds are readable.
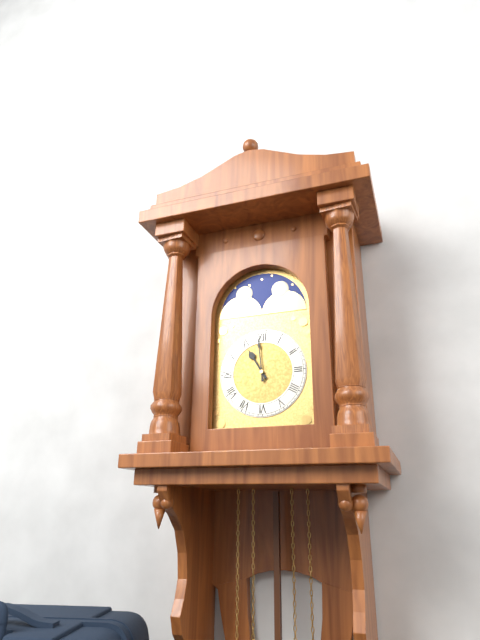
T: **10:59**
